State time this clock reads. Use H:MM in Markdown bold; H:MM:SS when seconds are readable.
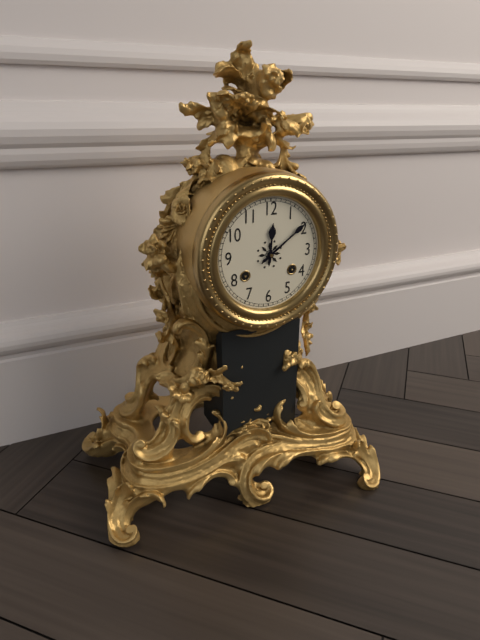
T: **12:09**
